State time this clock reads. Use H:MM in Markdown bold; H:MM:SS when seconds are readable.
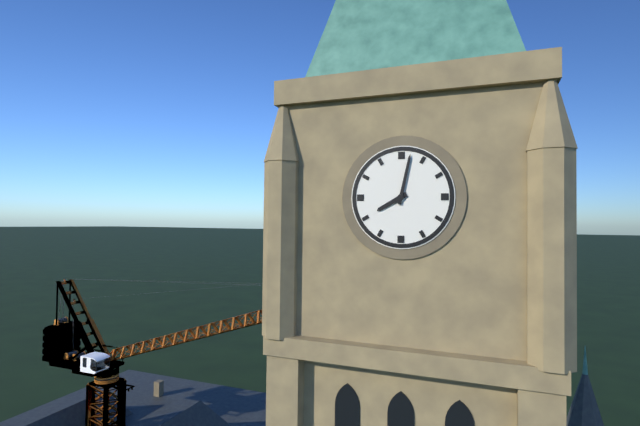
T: **8:02**
